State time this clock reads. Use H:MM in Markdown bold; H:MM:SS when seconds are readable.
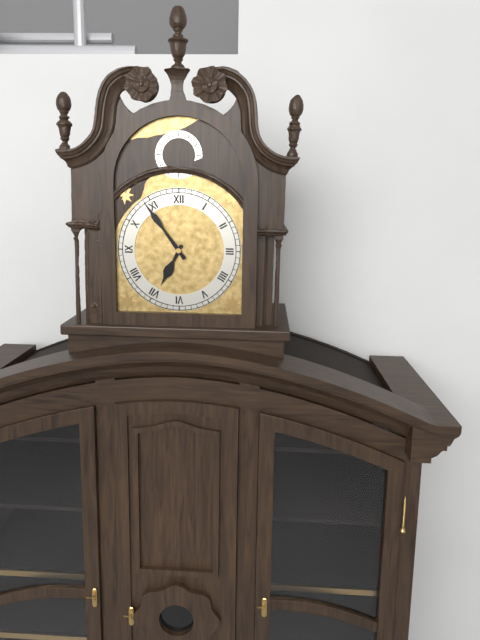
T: **6:54**
